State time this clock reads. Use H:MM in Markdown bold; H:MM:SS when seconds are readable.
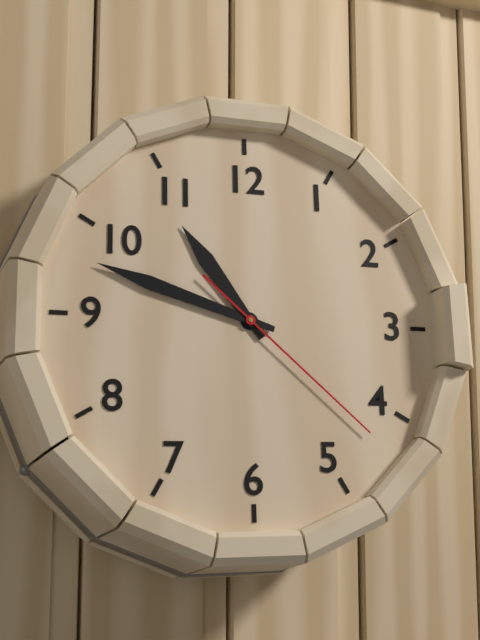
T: **10:48:22**
